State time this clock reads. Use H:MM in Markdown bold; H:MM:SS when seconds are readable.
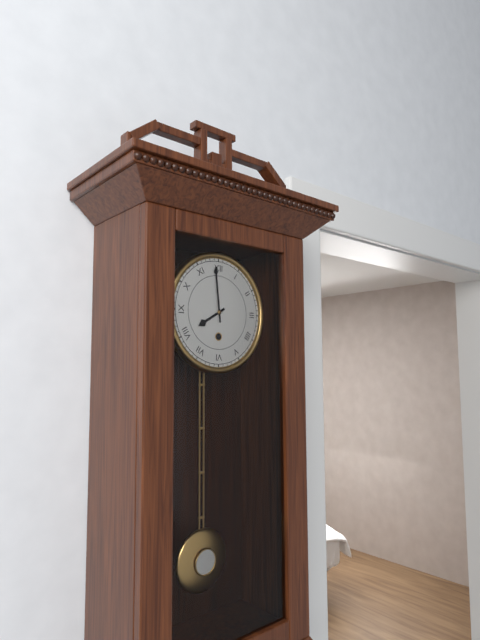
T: **7:59**
